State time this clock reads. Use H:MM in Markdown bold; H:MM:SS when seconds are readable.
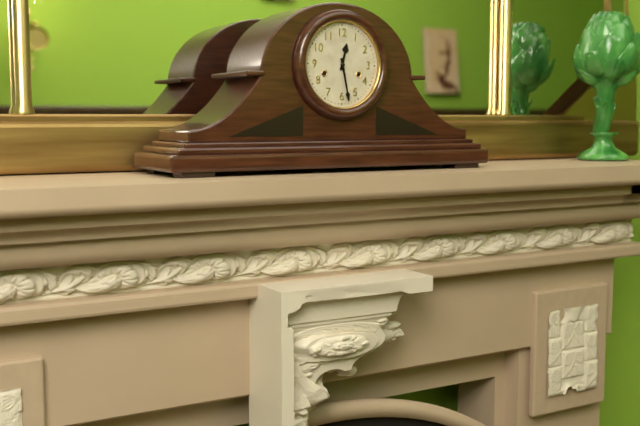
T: **12:28**
